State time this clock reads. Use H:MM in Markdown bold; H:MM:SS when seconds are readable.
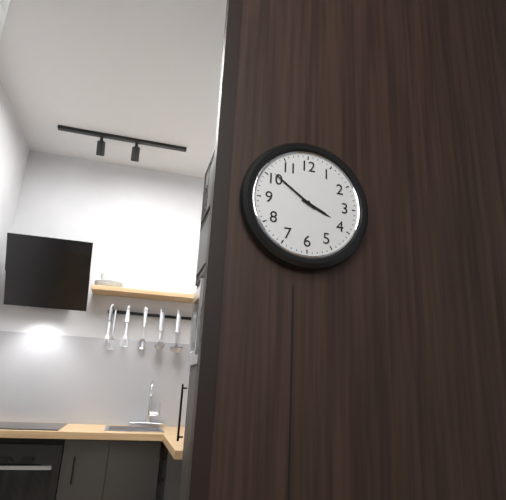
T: **3:51**
